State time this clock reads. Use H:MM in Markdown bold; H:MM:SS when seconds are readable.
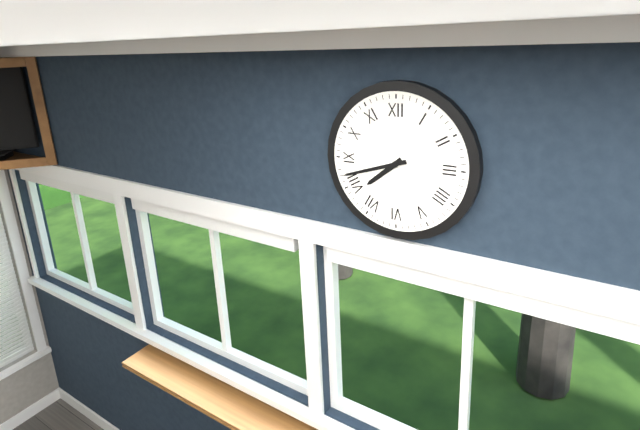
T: **7:42**
